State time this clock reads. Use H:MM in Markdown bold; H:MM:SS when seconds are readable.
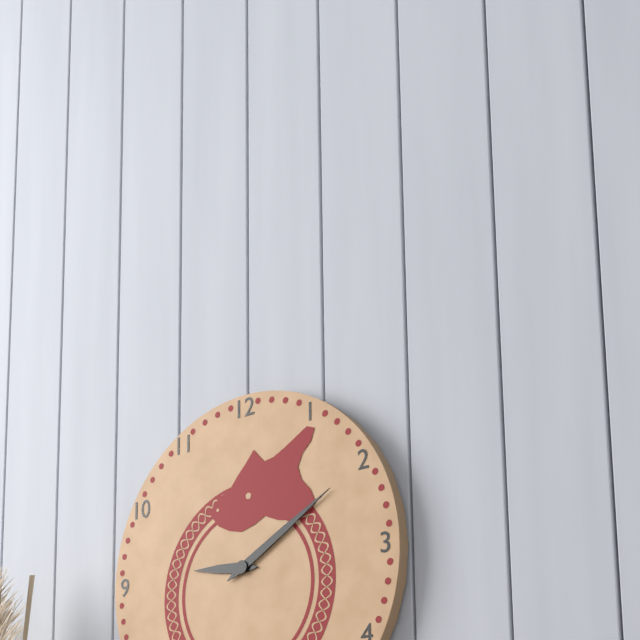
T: **9:10**
